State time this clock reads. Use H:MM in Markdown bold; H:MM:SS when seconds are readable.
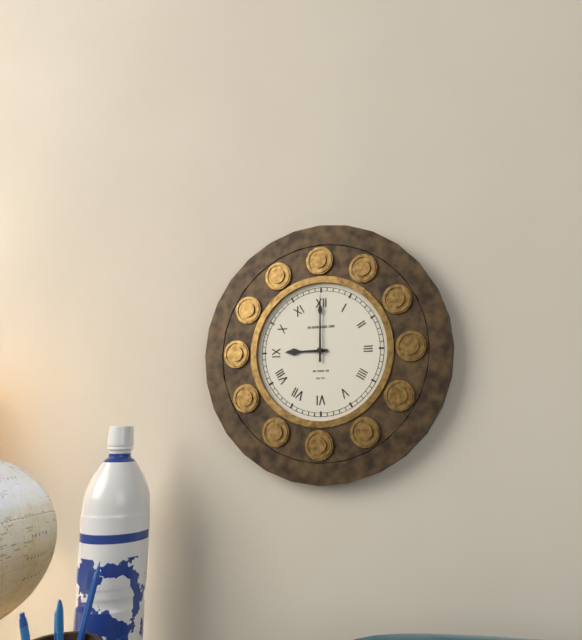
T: **9:00**
